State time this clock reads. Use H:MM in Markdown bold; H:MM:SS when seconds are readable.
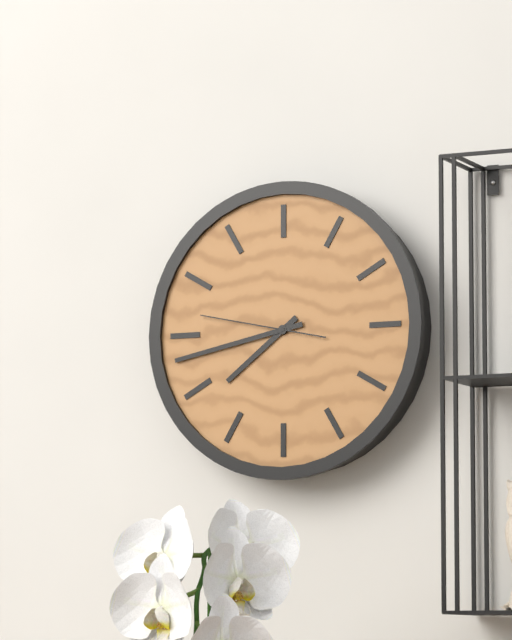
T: **7:43:47**
